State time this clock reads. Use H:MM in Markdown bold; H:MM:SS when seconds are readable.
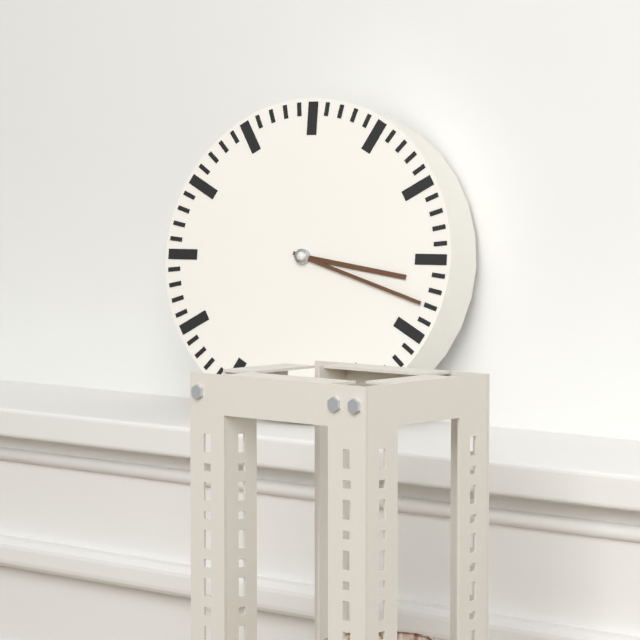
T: **3:18**
